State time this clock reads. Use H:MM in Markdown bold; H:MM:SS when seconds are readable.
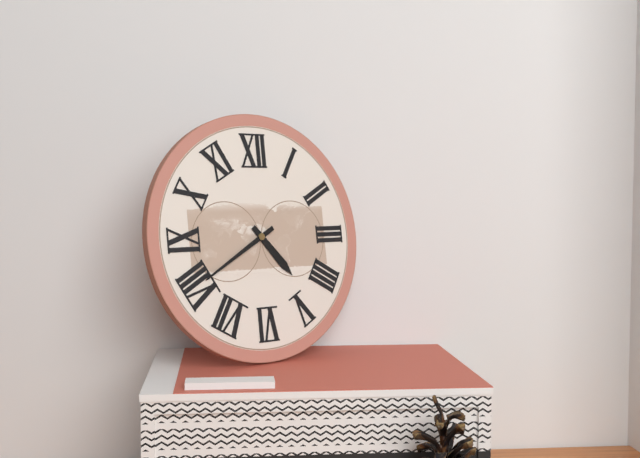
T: **4:40**
